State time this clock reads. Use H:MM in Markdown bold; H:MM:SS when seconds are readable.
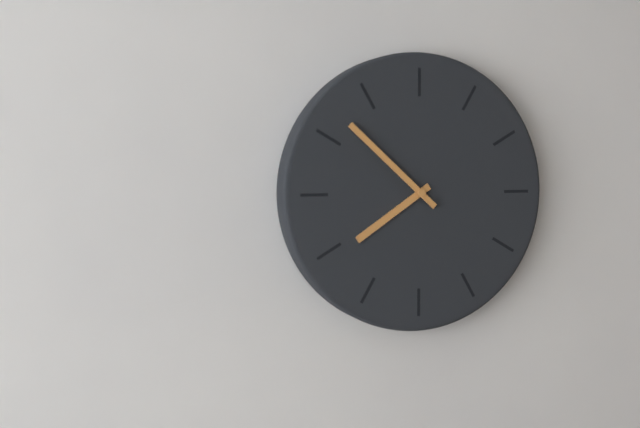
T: **7:52**
